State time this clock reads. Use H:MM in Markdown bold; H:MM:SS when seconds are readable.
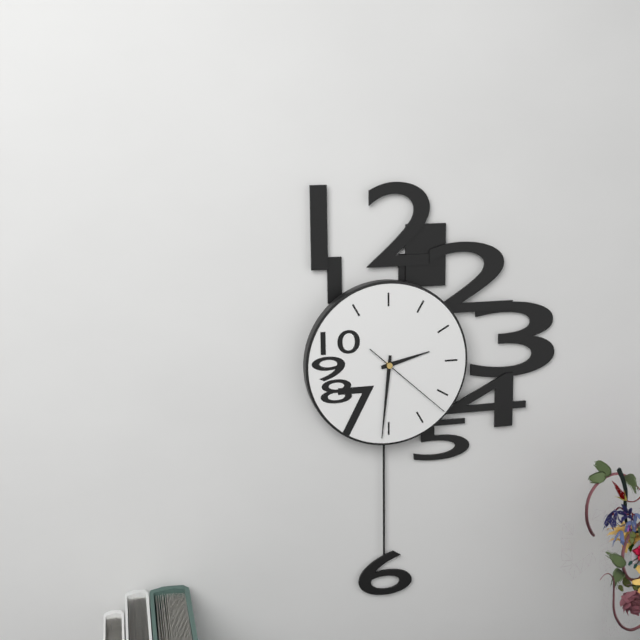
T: **2:31:22**
